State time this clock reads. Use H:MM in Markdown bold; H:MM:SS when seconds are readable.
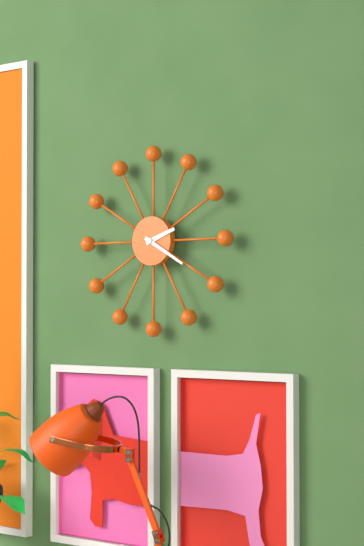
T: **2:20**
